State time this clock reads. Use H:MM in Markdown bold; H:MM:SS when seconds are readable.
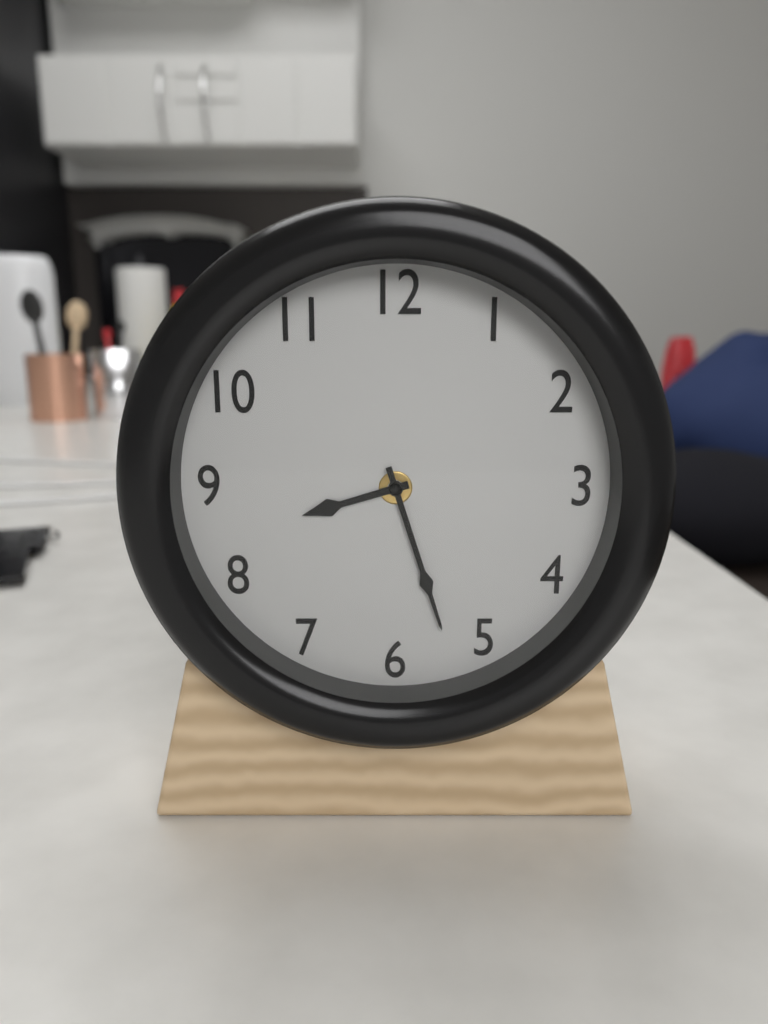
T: **8:27**
